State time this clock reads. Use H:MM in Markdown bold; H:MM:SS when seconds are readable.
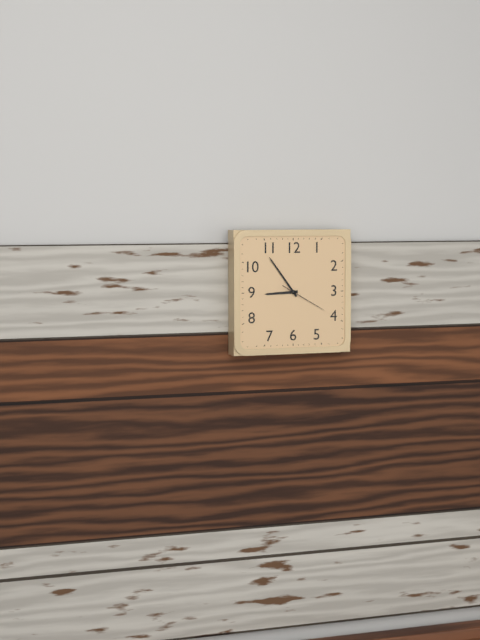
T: **8:54**
